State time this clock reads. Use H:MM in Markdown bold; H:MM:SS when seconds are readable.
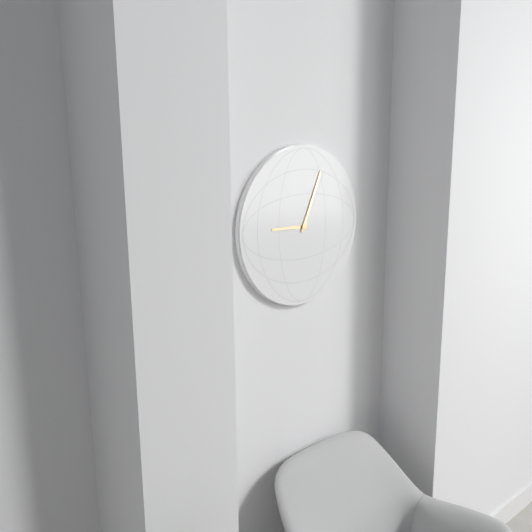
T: **9:04**
